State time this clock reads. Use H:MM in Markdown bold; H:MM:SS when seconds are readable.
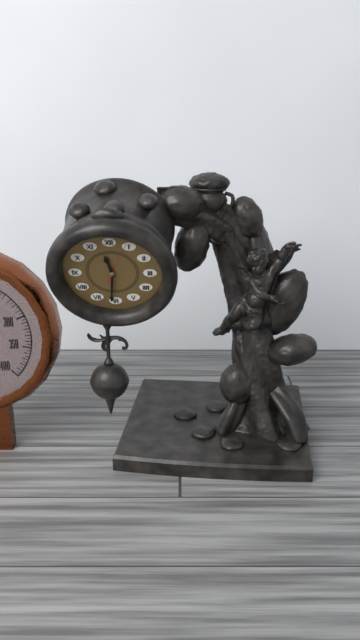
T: **11:31**
